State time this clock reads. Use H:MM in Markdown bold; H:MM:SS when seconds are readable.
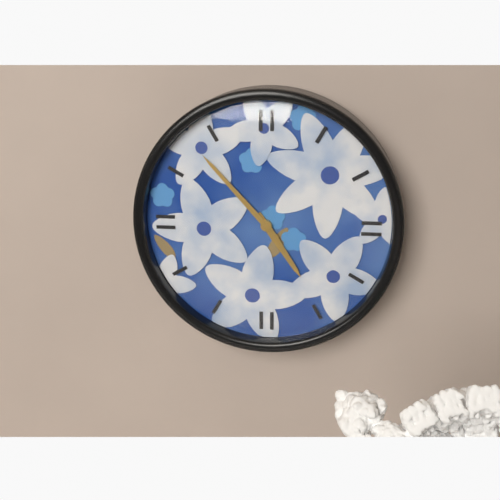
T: **4:53**
